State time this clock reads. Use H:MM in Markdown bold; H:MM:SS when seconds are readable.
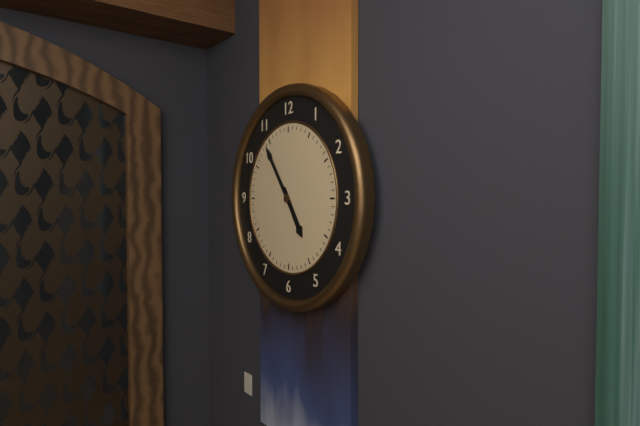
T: **4:54**
